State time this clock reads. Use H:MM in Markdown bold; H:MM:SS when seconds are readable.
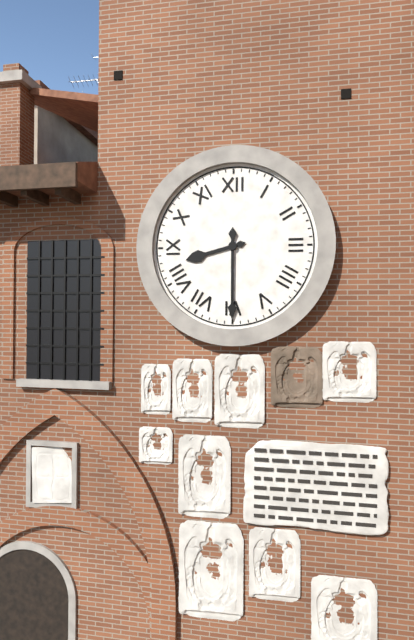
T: **8:30**
